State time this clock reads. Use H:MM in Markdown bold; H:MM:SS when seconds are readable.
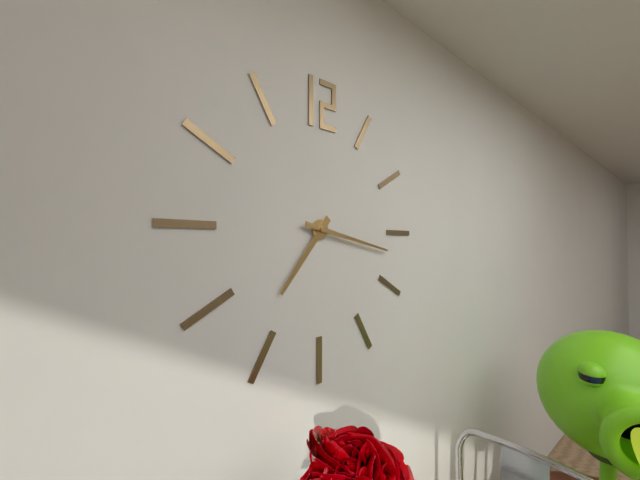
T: **7:17**
